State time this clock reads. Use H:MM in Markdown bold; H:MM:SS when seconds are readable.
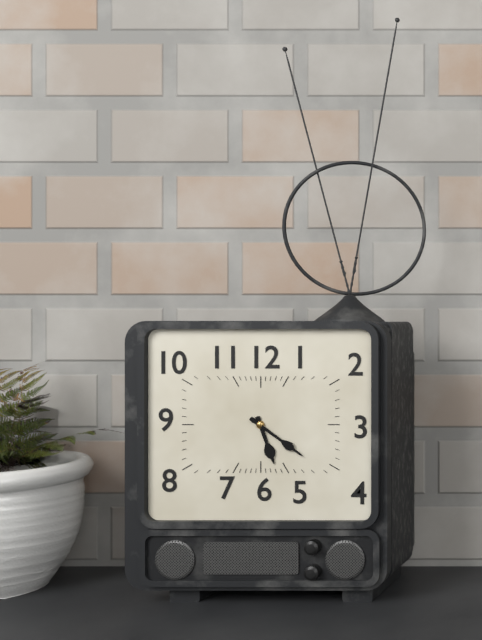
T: **5:21**
